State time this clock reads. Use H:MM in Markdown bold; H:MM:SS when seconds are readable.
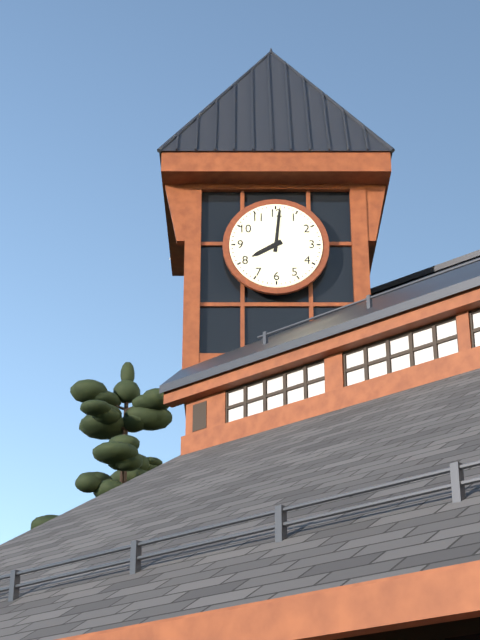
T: **8:01**
